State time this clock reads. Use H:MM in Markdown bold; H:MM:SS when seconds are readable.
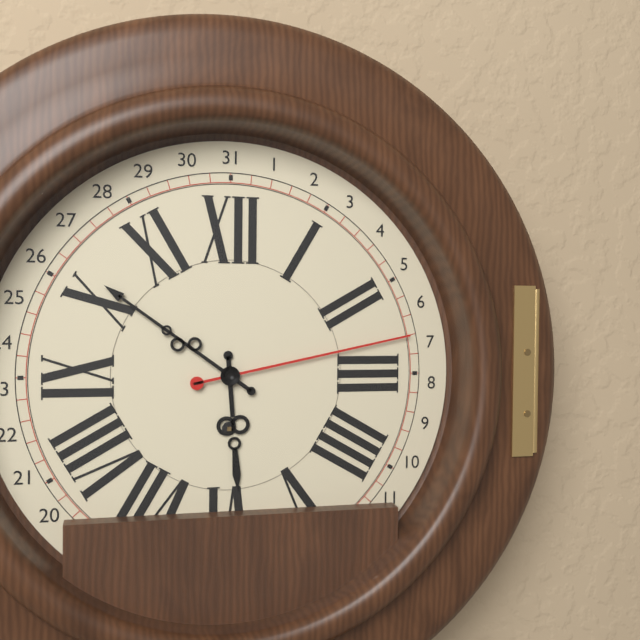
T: **5:51:13**
